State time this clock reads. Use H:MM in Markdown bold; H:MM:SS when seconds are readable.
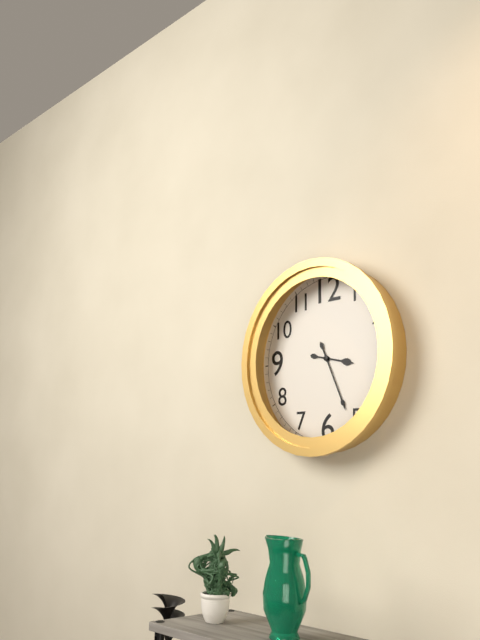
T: **3:26**
